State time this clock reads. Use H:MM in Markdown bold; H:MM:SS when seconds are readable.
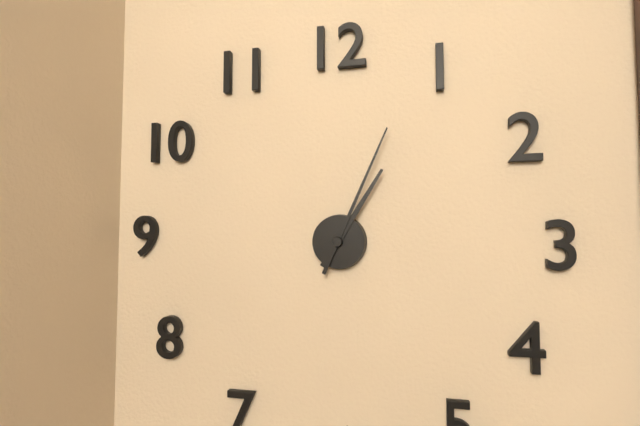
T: **1:04**
